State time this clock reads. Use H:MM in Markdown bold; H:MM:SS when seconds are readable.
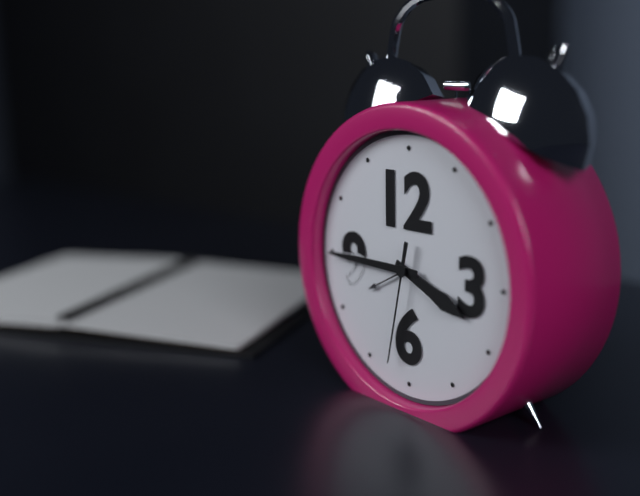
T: **3:45:32**
